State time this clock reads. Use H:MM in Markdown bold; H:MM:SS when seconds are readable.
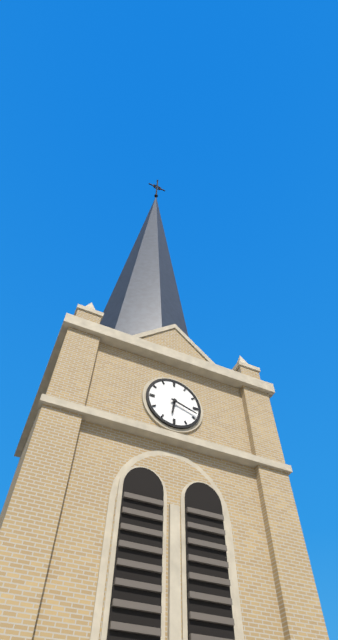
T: **6:18**
